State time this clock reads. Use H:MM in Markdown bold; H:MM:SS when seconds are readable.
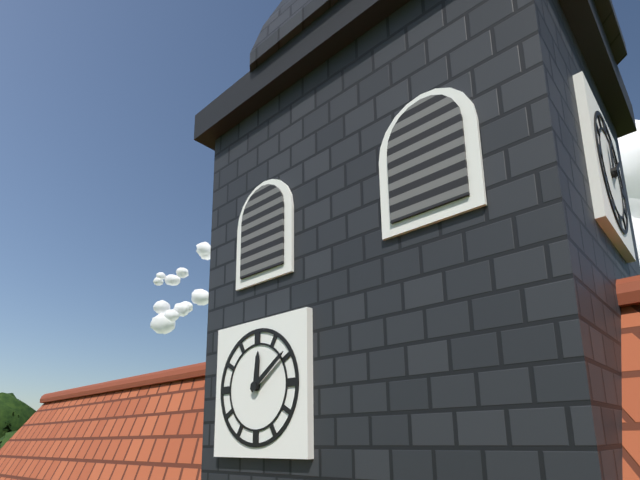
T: **12:09**
